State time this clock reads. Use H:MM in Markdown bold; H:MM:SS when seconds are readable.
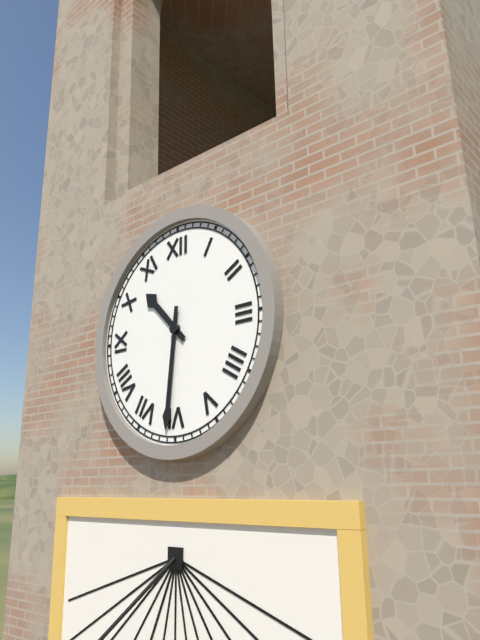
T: **10:31**
